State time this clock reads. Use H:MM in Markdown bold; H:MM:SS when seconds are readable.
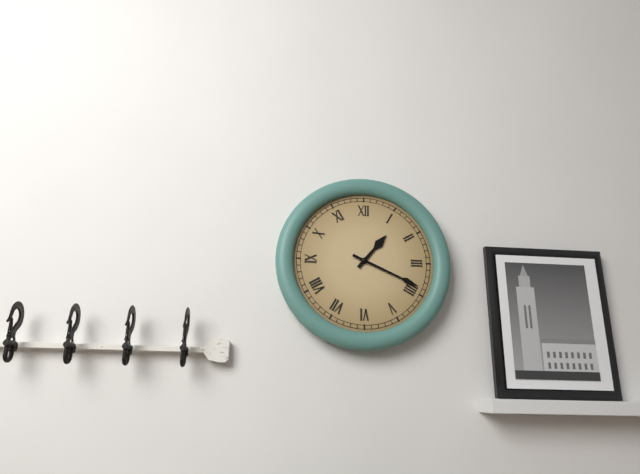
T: **1:19**
